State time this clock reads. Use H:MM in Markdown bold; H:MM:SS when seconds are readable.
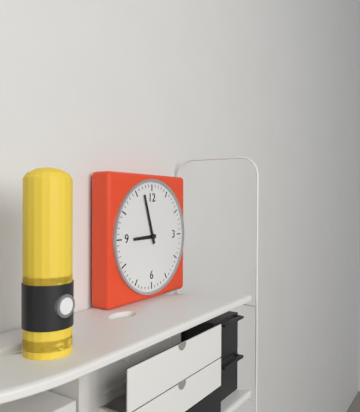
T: **8:57**
